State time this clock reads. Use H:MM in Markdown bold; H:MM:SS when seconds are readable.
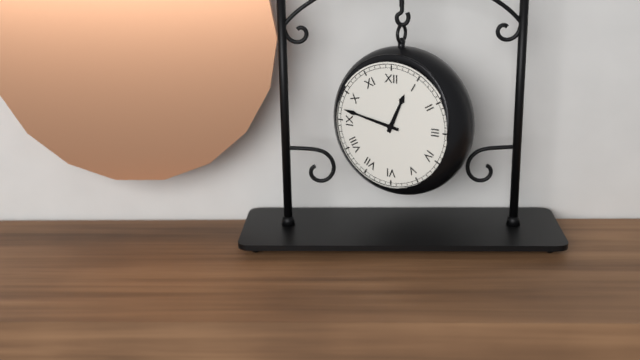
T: **12:47**
